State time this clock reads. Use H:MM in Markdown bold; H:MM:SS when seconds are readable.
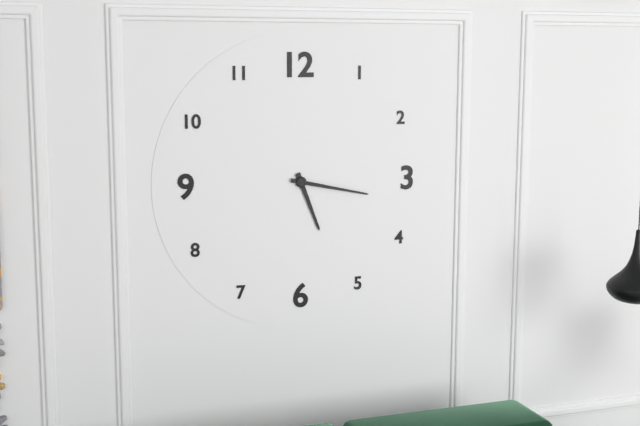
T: **5:17**
